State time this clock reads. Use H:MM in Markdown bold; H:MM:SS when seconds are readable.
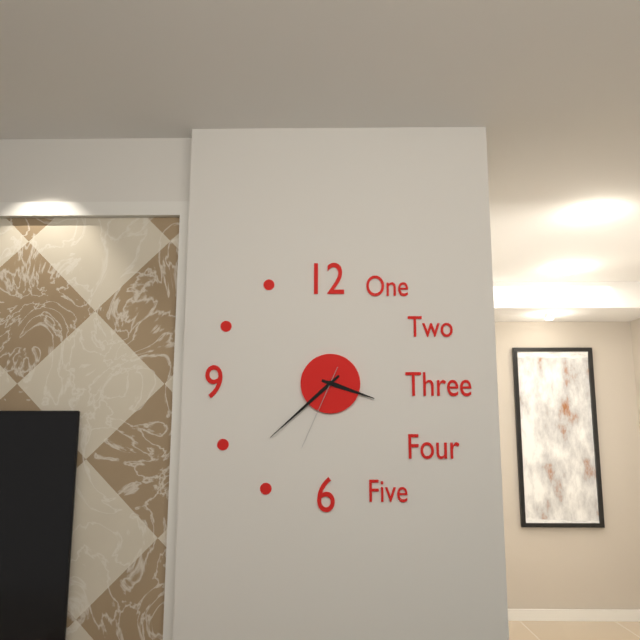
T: **3:38:34**
